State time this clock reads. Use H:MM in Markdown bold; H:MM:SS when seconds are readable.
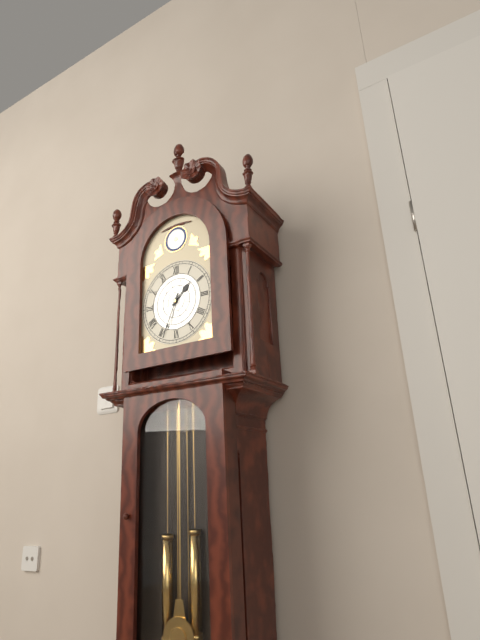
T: **1:34**
